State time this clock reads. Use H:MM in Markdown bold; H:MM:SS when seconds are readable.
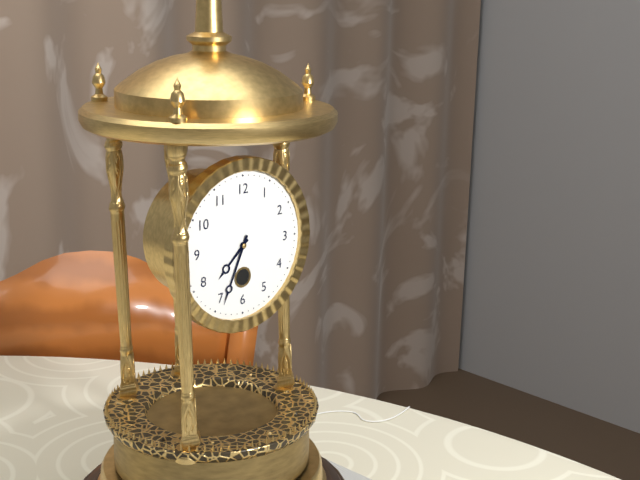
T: **7:34**
